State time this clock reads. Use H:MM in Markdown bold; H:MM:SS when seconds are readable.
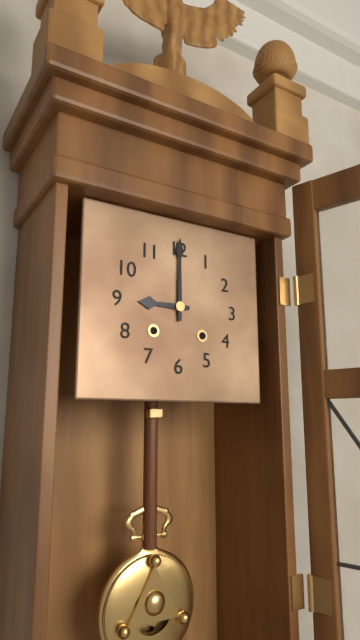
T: **9:00**
